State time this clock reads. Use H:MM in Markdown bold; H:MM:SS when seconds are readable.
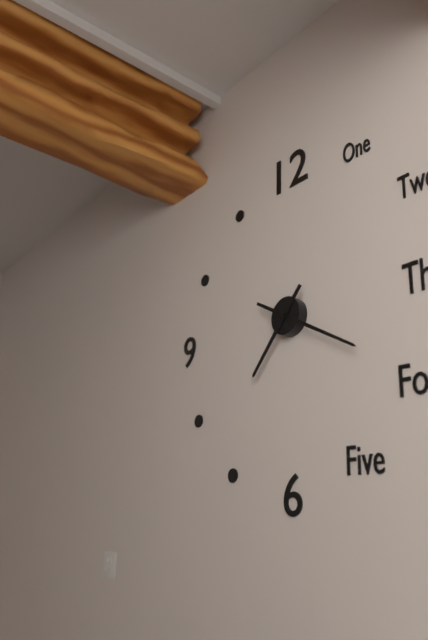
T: **7:20**
